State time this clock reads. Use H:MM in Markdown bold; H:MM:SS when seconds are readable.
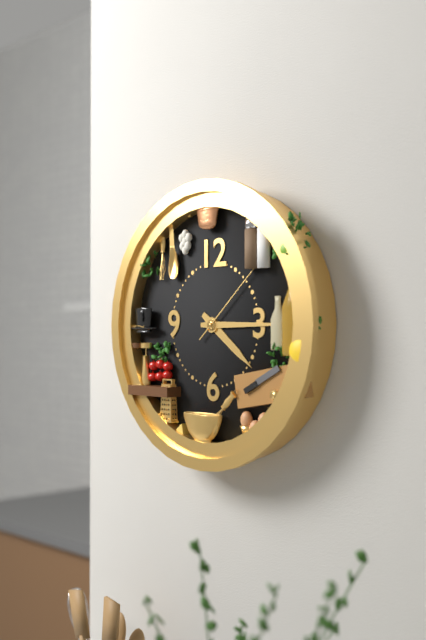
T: **4:15:08**
